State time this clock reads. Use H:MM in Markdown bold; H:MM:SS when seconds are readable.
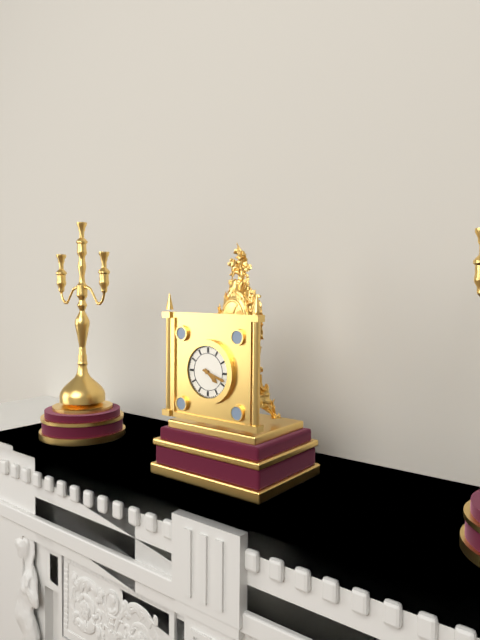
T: **4:18**
